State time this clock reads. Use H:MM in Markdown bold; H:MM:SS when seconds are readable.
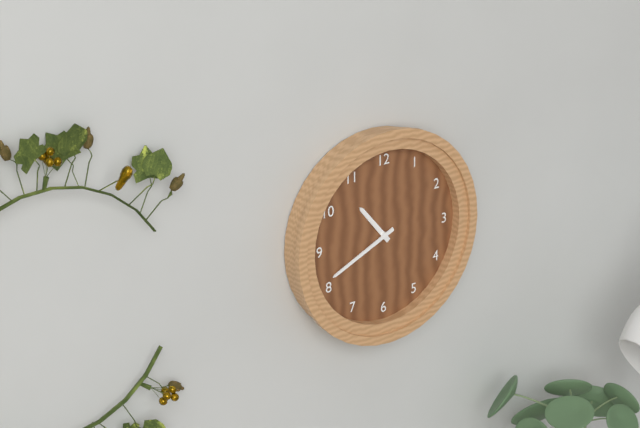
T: **10:41**
